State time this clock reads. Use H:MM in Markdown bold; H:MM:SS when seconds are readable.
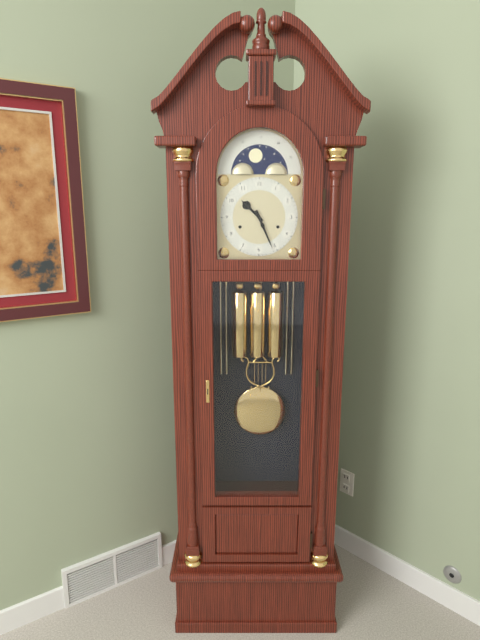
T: **10:26**
